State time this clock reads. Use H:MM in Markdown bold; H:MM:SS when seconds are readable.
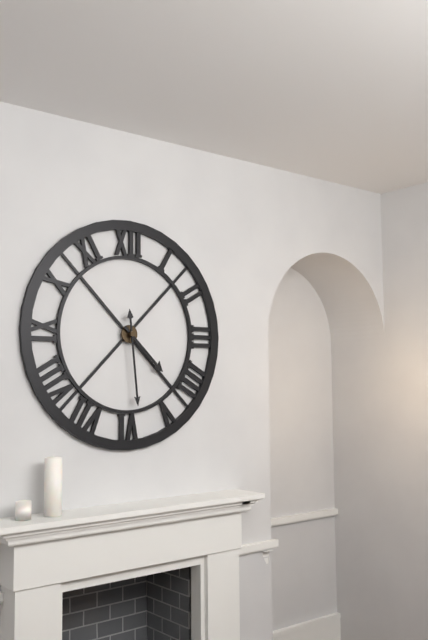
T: **4:29**
